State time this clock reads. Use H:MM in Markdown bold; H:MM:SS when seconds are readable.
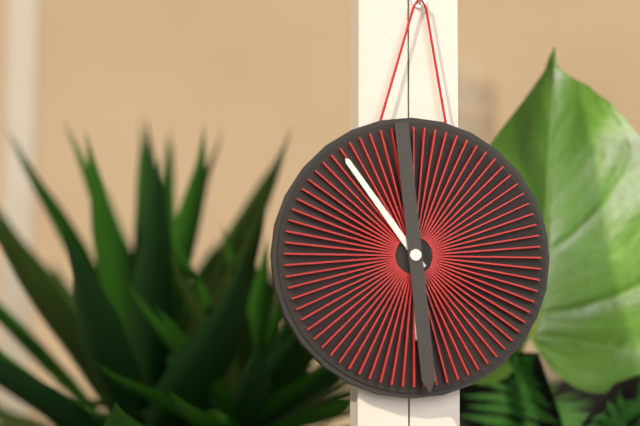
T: **5:54:29**
